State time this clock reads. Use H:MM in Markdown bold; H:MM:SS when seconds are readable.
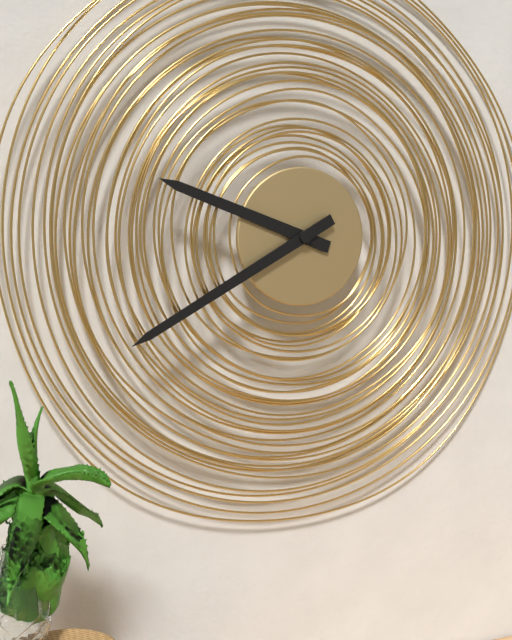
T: **9:40**
